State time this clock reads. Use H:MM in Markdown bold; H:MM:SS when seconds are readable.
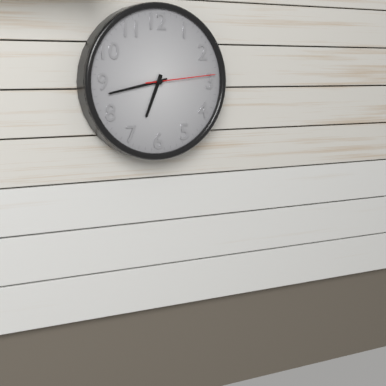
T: **6:43:14**
